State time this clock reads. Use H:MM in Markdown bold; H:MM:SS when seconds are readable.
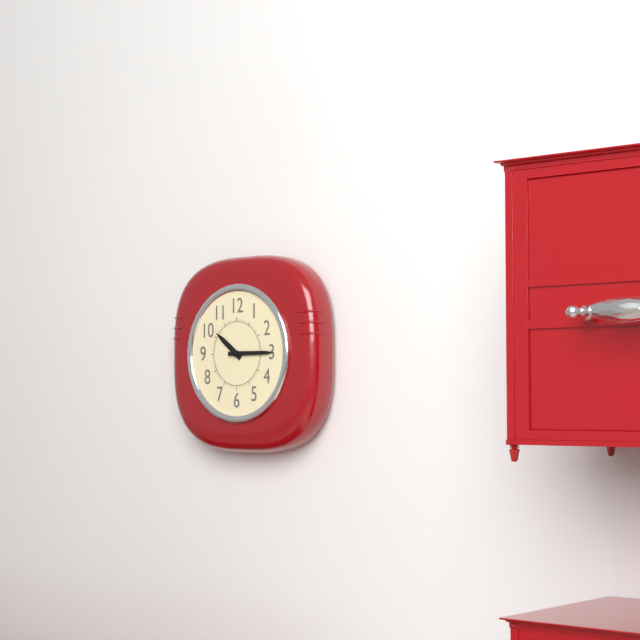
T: **10:15**
